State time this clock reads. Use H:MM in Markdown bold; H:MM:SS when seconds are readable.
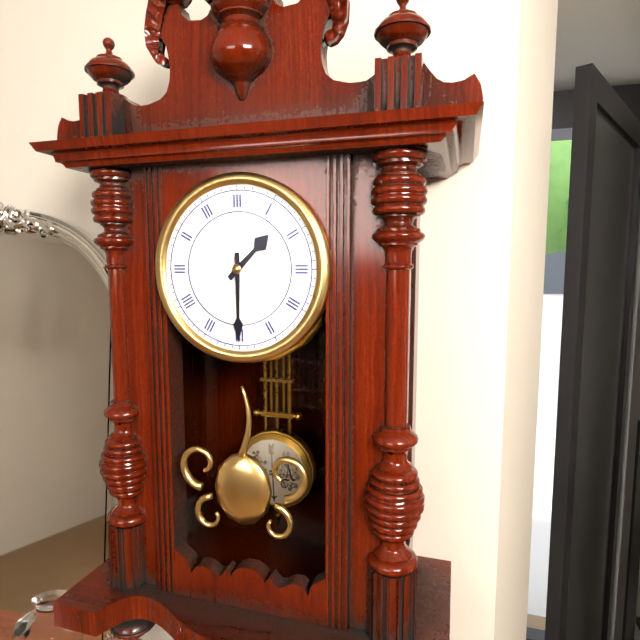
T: **1:30**
